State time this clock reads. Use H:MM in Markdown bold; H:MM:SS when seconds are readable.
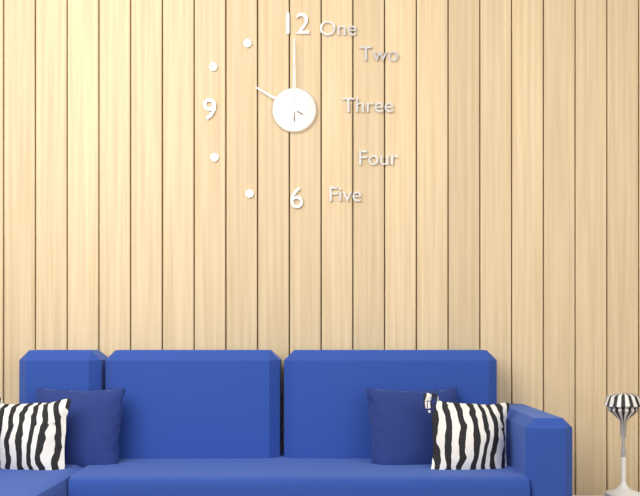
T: **10:00**
